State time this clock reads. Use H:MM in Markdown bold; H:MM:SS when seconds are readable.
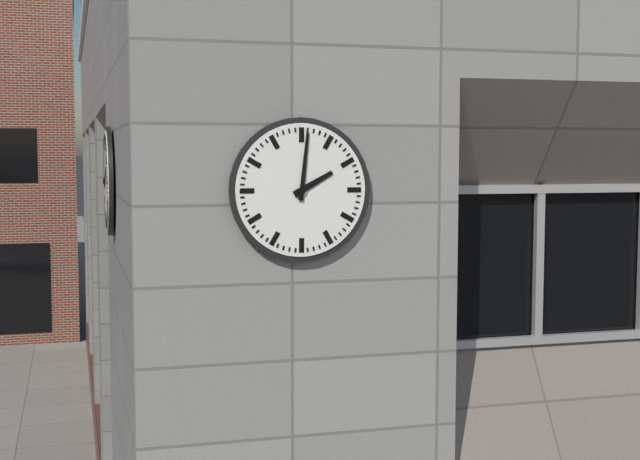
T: **2:01**
